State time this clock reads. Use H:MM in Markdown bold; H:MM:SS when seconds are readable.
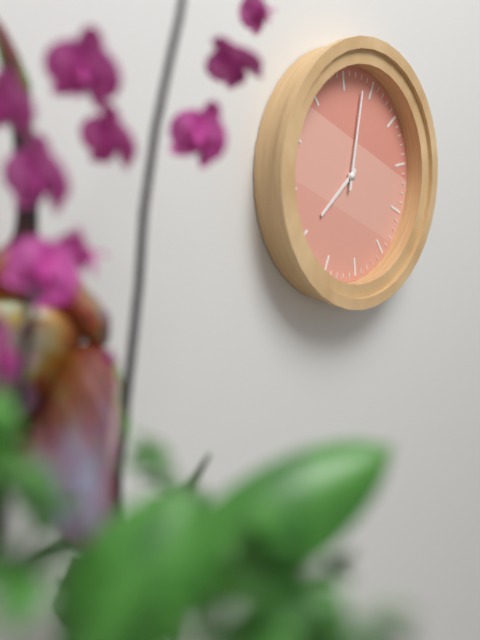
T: **6:58**
